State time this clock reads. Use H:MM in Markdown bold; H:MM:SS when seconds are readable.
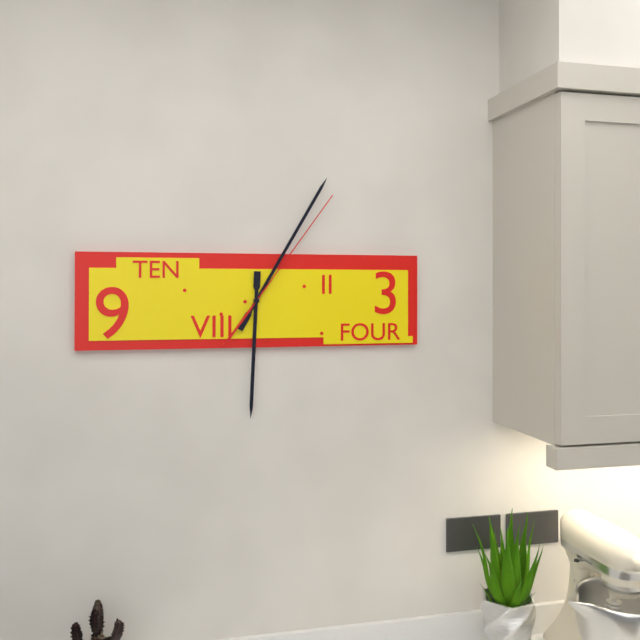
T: **6:05:06**
